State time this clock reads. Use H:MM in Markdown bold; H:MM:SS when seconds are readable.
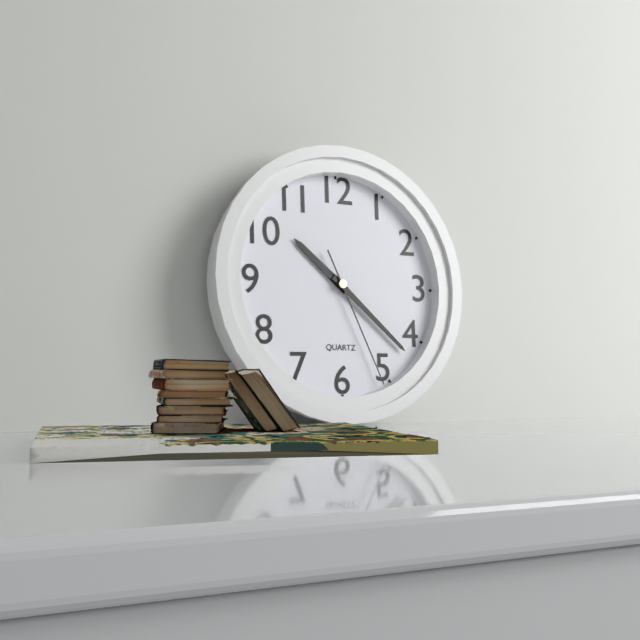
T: **10:22:26**
